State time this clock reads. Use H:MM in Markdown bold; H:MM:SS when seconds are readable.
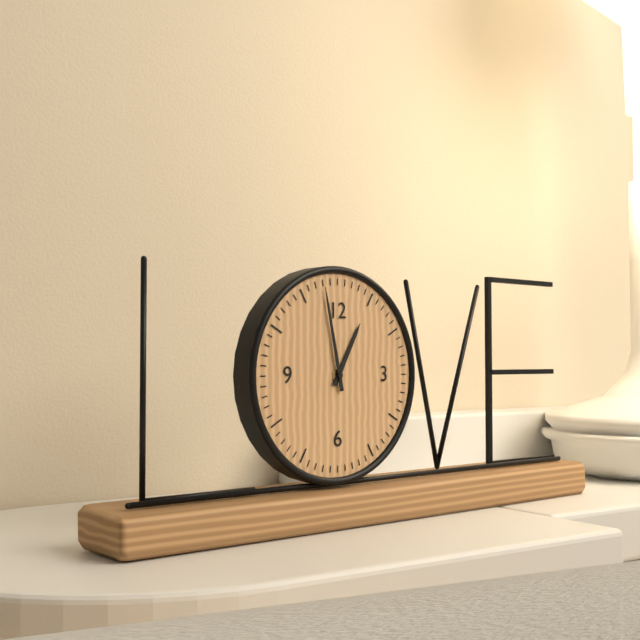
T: **12:58**
